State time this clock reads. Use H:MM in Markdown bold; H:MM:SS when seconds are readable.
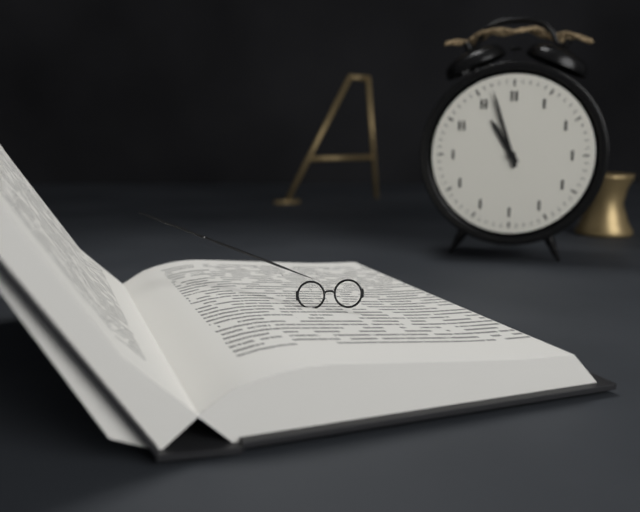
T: **10:57**
